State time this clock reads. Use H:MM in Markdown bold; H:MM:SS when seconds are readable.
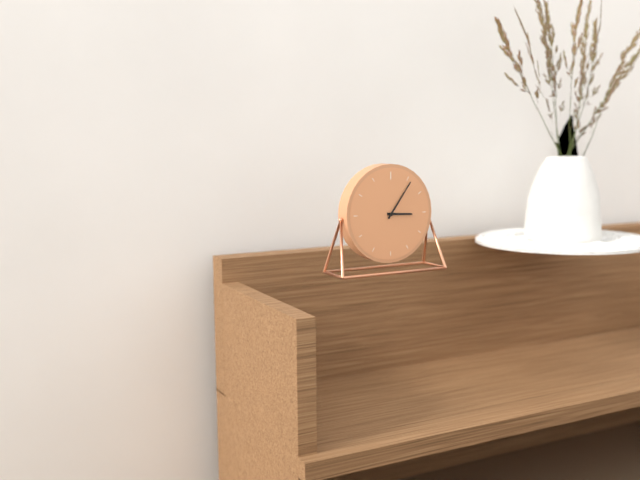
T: **3:06**
